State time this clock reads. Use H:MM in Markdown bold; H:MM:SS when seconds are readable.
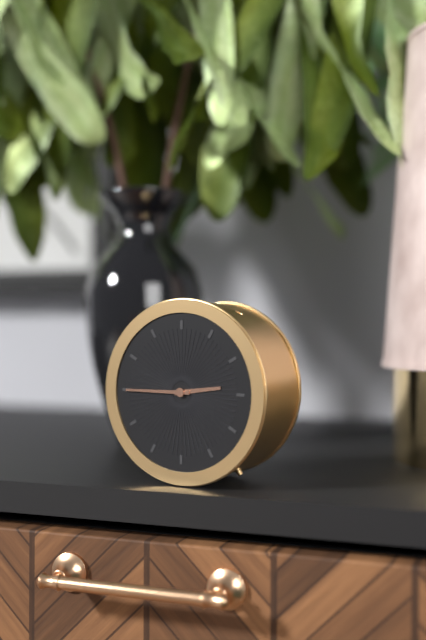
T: **2:45**
